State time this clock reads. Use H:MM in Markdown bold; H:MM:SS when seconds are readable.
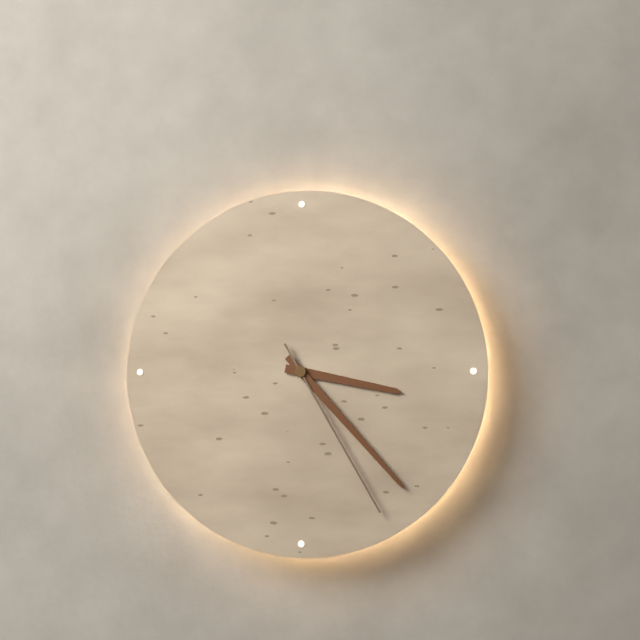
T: **3:23:25**
